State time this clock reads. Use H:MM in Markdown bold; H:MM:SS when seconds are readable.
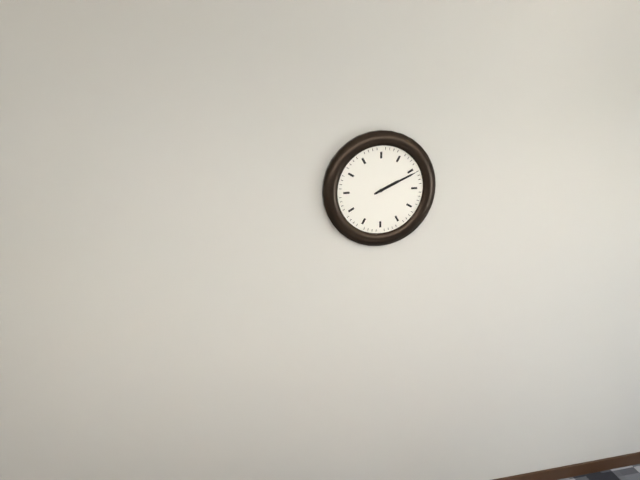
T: **2:11**
